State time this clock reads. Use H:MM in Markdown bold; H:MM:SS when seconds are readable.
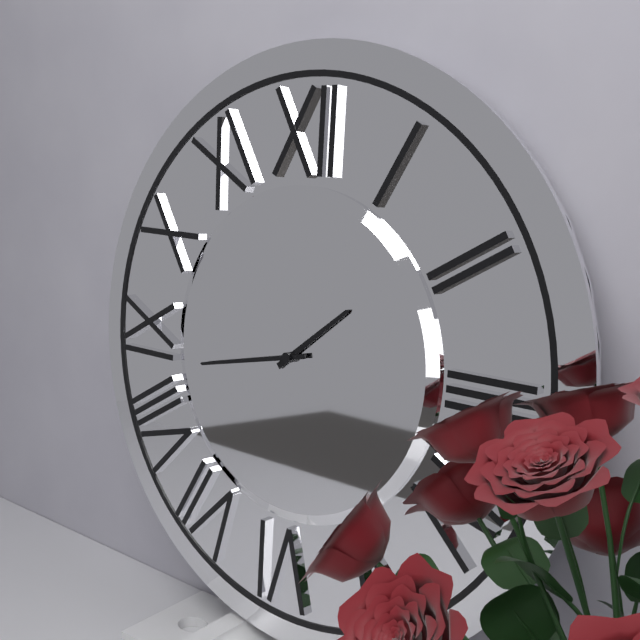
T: **1:43**
